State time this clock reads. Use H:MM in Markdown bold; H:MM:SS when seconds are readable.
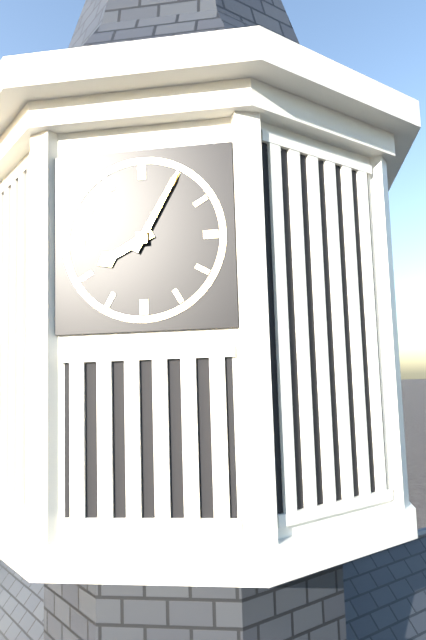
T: **8:05**
